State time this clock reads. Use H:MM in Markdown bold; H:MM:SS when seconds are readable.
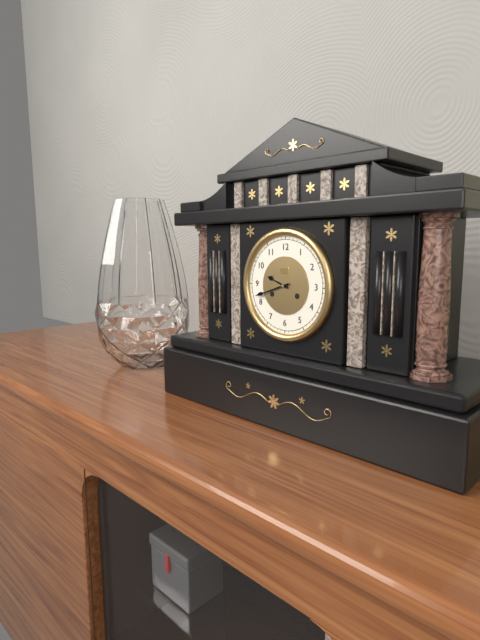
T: **9:42**
